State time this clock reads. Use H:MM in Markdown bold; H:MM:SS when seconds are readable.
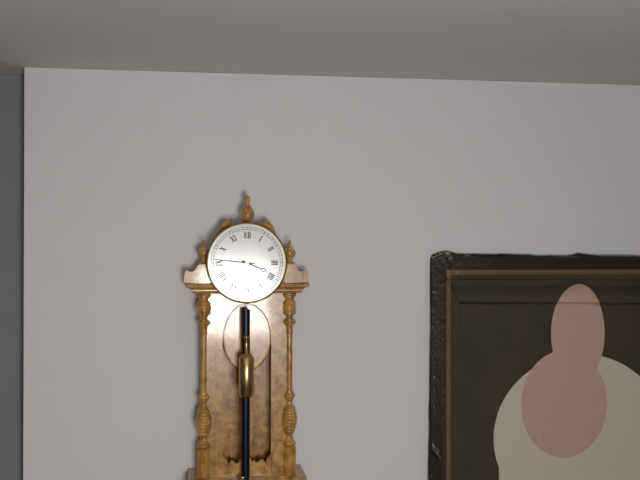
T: **3:46**
